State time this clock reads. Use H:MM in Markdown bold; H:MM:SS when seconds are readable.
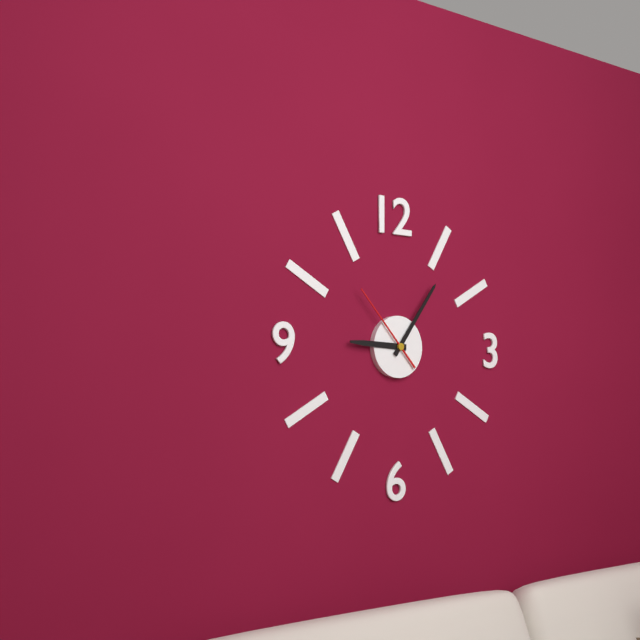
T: **9:06:53**
